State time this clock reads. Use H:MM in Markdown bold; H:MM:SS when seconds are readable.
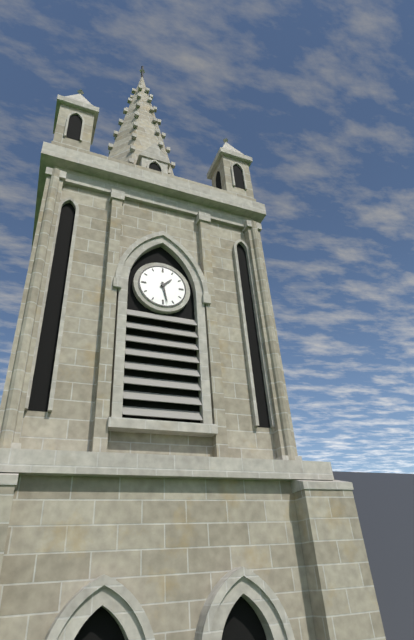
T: **1:28**
